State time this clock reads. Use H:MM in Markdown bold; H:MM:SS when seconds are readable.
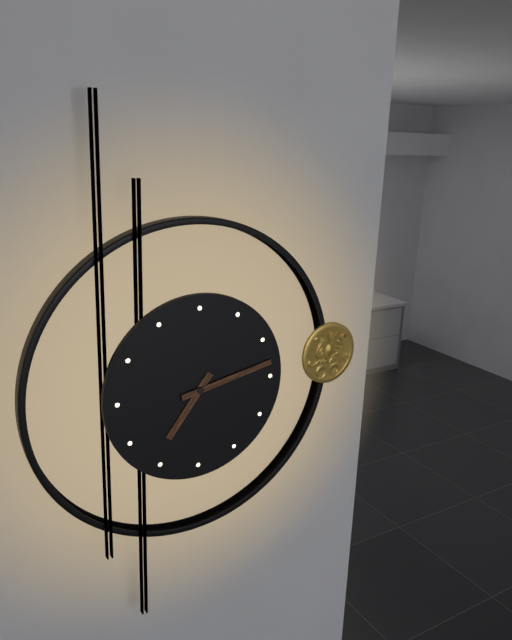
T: **7:13**
